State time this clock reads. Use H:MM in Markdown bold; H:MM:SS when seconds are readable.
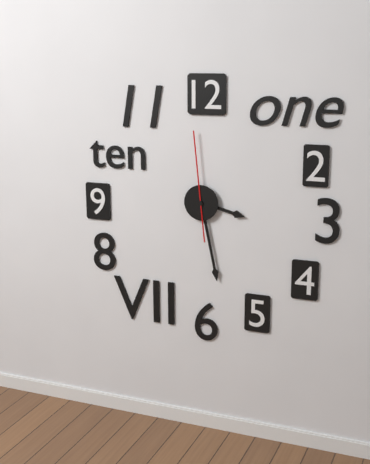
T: **3:28:59**
